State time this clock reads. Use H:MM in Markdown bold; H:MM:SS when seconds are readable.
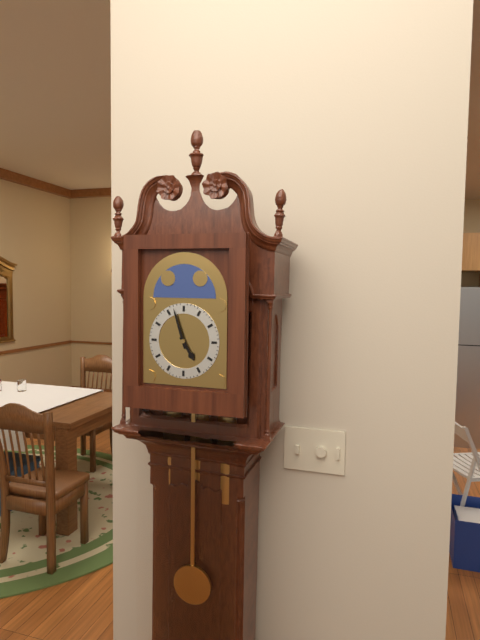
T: **4:57**
